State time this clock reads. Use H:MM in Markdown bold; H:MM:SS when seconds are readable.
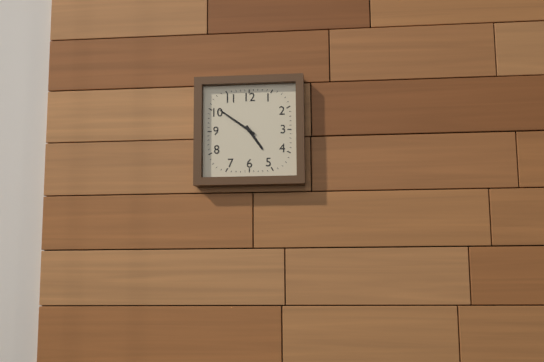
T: **4:51**
